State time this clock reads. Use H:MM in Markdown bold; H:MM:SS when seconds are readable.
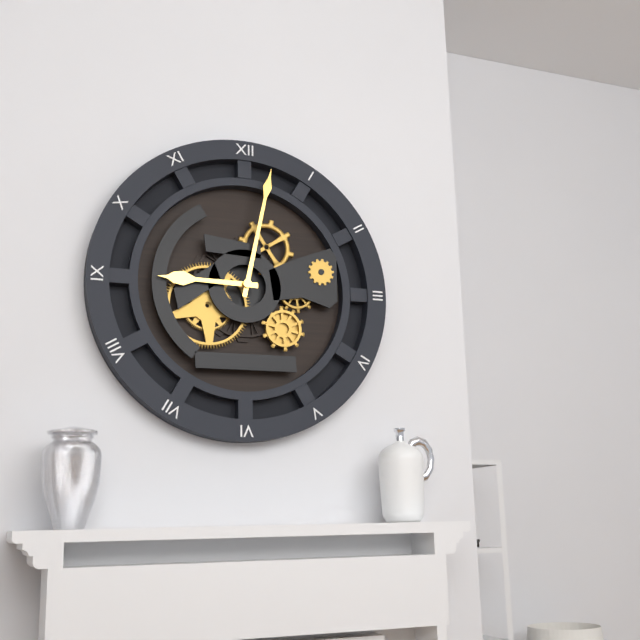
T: **9:02**
